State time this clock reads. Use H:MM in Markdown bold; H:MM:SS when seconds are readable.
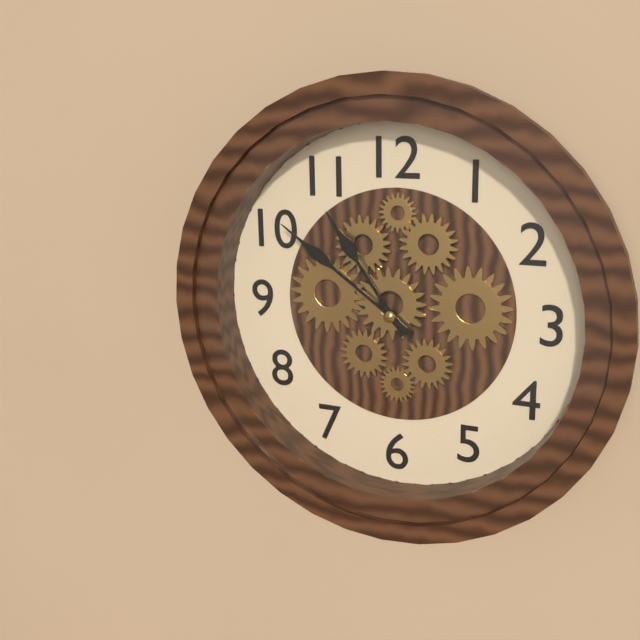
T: **10:51**
